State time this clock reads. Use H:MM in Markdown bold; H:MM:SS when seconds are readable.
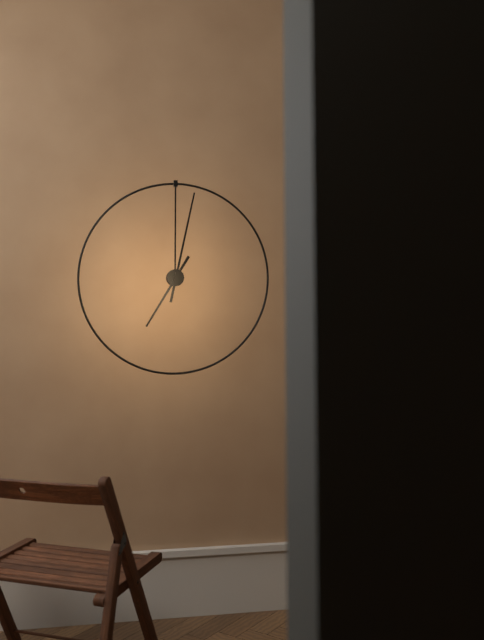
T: **7:02**
